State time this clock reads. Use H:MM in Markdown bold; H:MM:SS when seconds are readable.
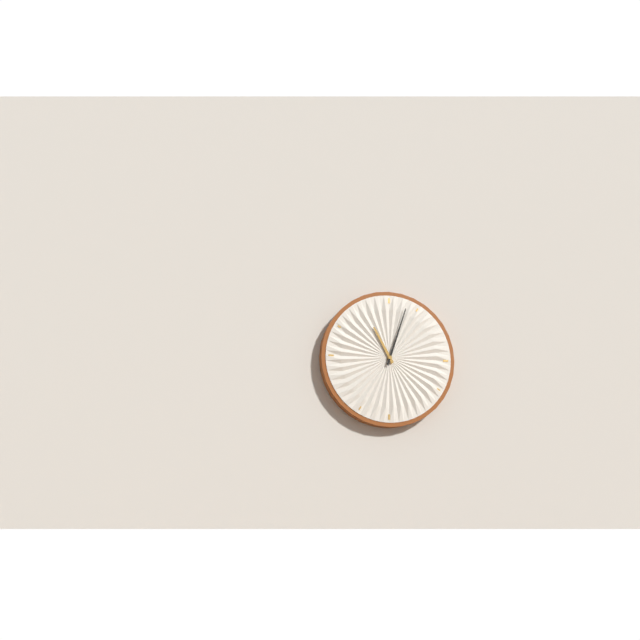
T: **11:03**
